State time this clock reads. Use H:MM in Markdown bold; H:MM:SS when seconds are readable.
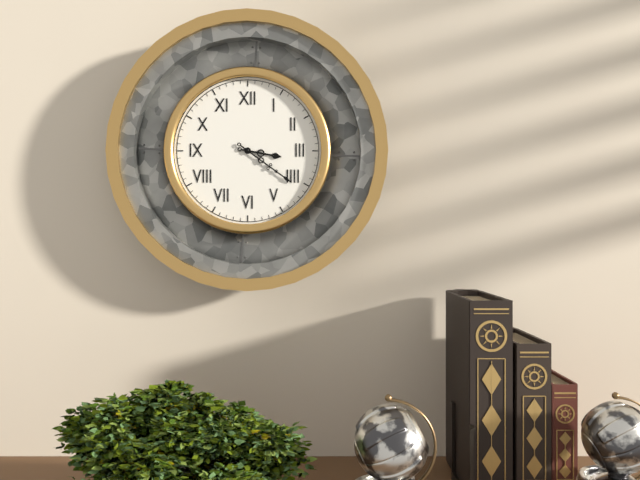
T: **3:21**
